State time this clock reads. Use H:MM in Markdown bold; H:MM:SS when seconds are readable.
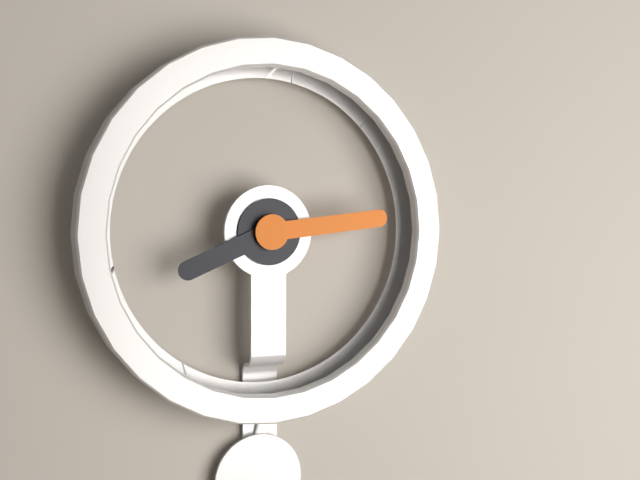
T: **8:14**
